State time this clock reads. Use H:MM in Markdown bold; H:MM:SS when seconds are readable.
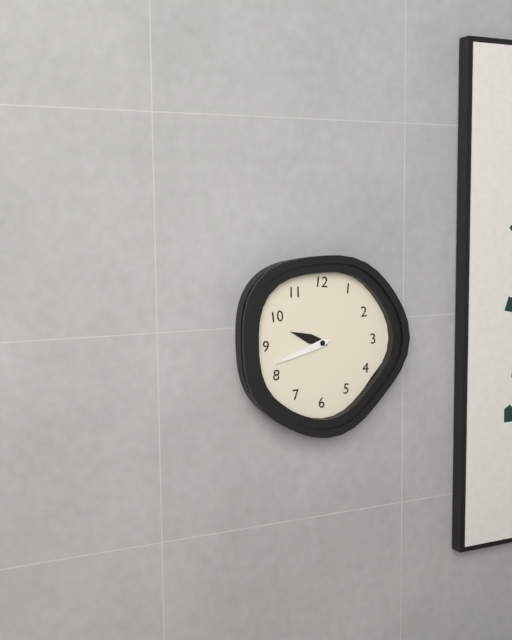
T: **9:42**
